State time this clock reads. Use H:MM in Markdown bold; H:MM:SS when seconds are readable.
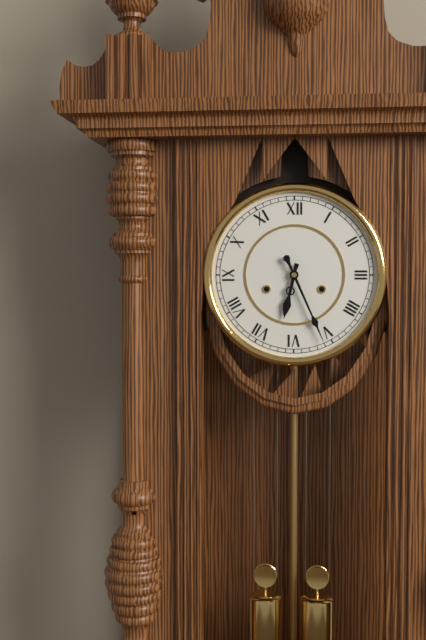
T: **6:26**
